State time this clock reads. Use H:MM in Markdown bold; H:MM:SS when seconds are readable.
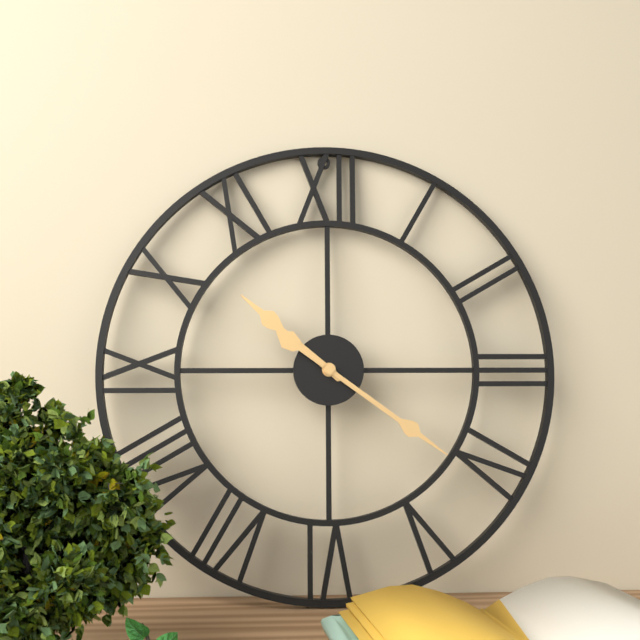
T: **10:21**
